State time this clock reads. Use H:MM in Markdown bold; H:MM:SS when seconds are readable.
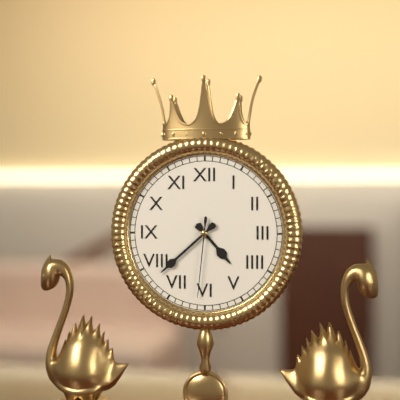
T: **4:38:31**
